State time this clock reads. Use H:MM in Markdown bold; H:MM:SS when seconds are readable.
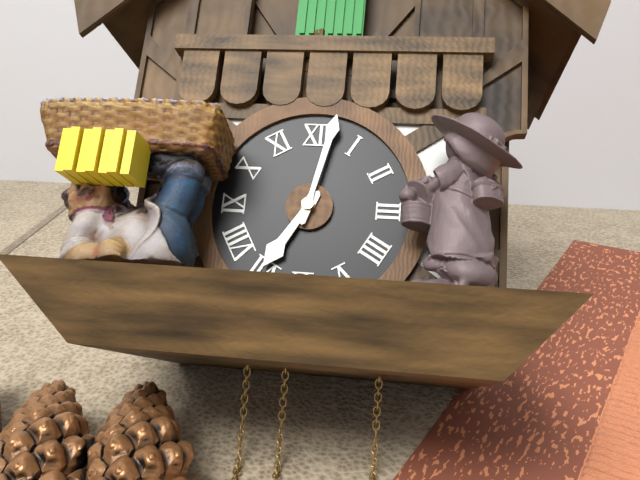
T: **7:02**
